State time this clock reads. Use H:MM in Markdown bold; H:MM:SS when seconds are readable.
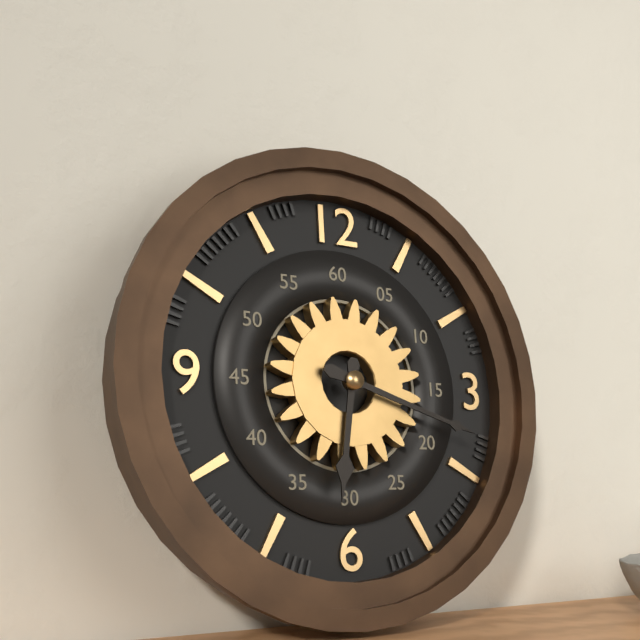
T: **6:18**
